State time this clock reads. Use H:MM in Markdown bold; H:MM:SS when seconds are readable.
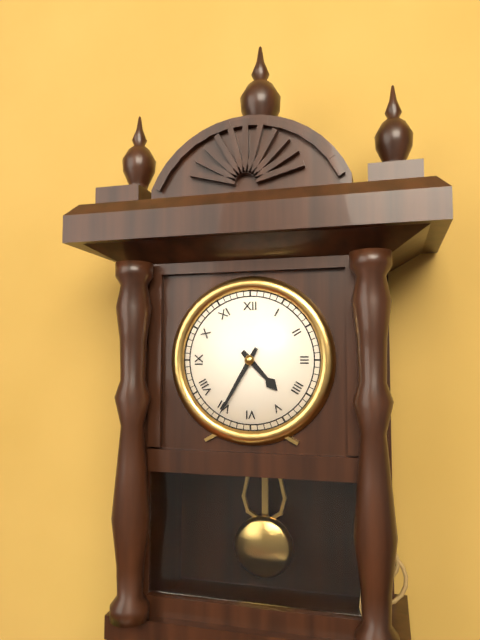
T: **4:35**
